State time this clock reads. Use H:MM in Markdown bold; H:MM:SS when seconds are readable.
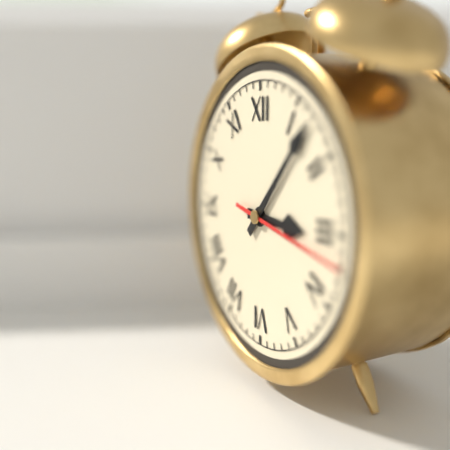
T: **3:07:17**
